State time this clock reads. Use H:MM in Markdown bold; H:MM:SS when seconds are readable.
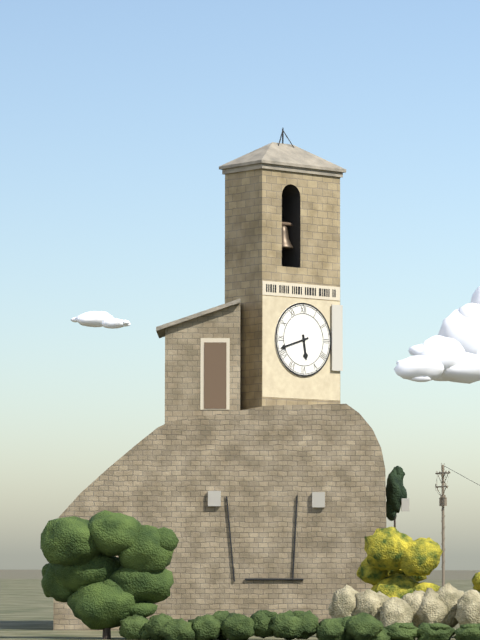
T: **5:42**
